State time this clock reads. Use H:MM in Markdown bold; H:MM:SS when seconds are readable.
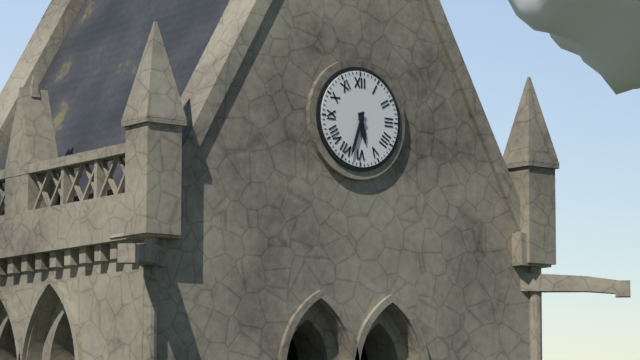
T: **5:33**
